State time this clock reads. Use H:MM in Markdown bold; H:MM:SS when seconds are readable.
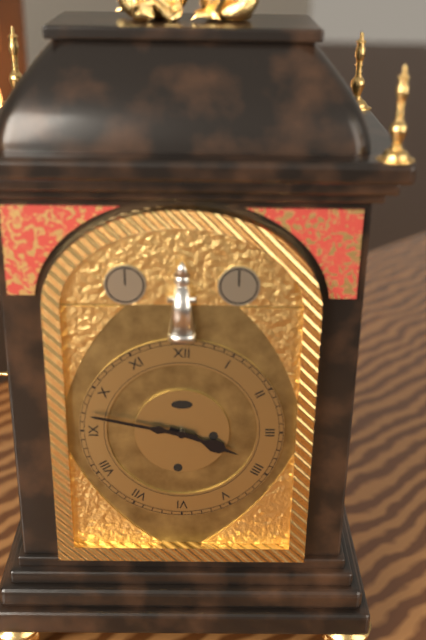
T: **3:47**
